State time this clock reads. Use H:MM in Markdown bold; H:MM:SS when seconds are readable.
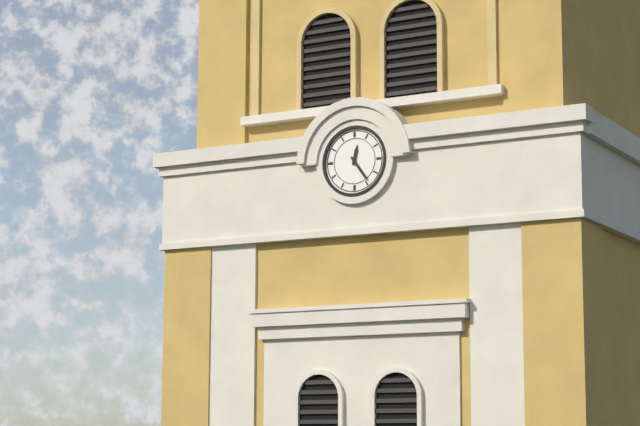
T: **12:24**
